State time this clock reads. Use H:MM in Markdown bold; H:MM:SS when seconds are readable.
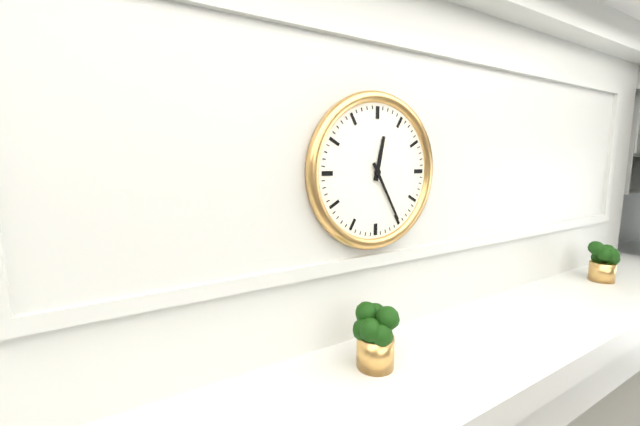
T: **12:25**
